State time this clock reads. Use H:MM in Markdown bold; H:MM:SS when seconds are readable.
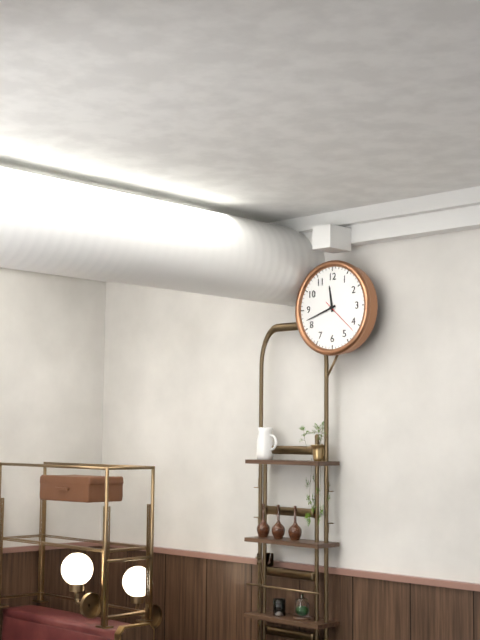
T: **11:42**
